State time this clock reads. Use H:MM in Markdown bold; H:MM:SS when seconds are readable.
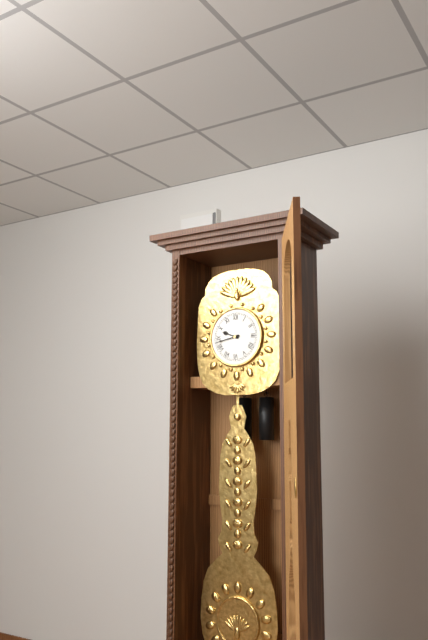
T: **9:43**
